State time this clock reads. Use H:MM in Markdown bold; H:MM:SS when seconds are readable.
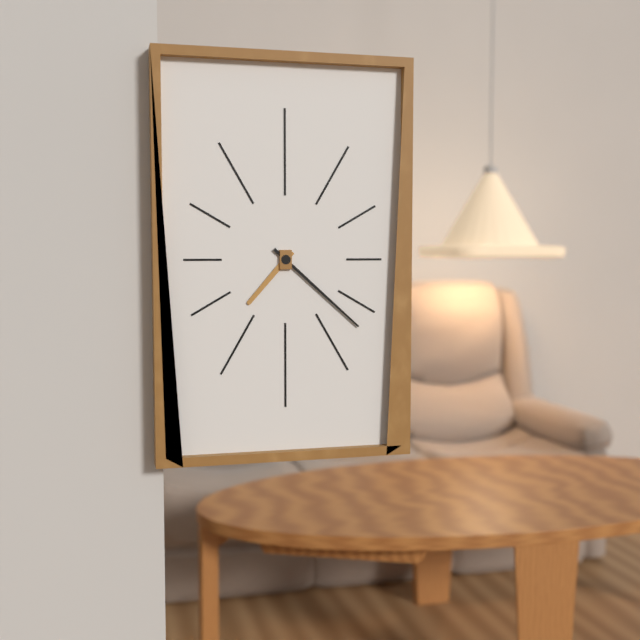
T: **7:22**
